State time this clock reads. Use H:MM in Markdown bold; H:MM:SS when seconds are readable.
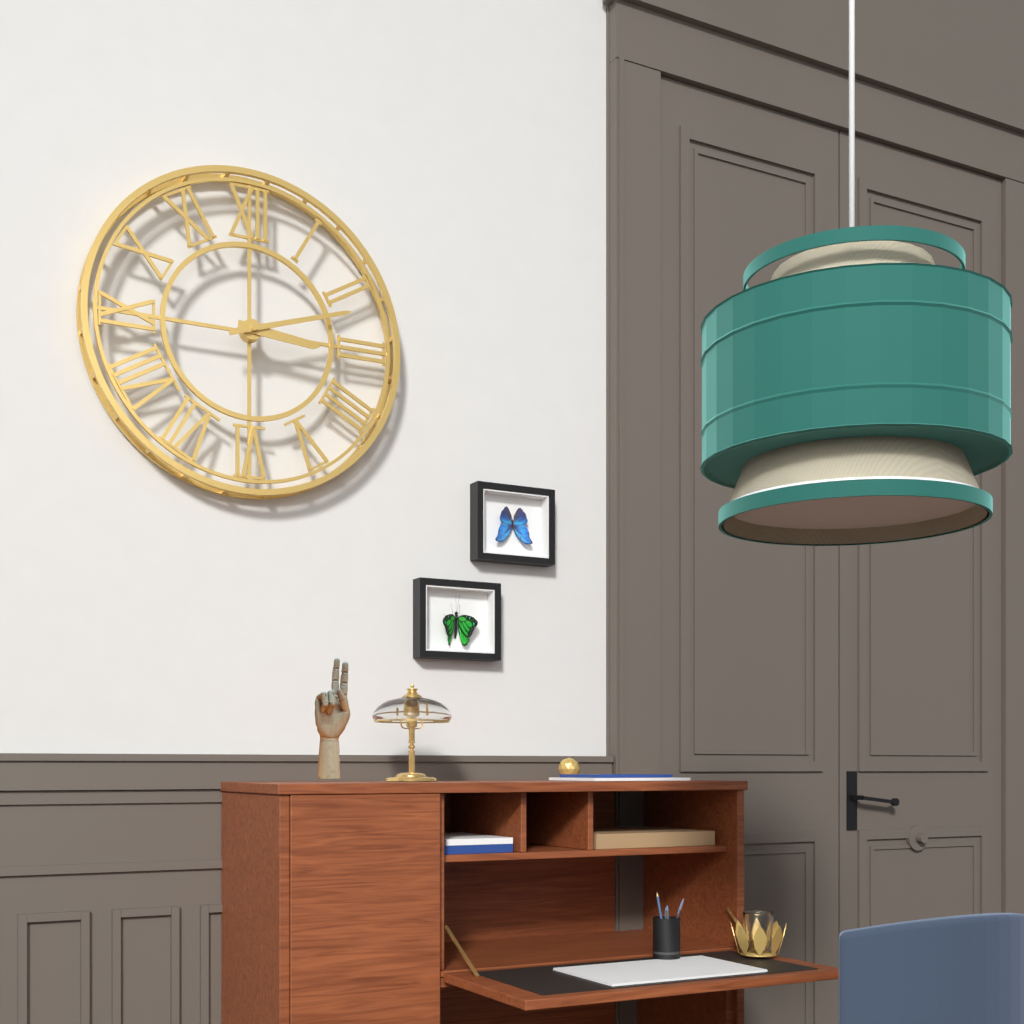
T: **3:12**
